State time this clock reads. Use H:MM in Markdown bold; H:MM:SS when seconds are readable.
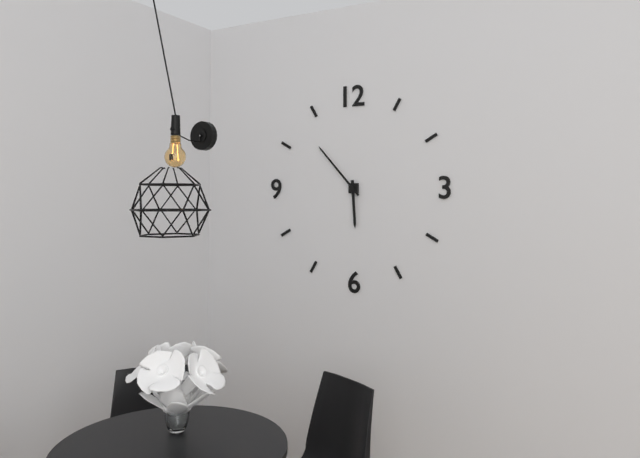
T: **5:53**
